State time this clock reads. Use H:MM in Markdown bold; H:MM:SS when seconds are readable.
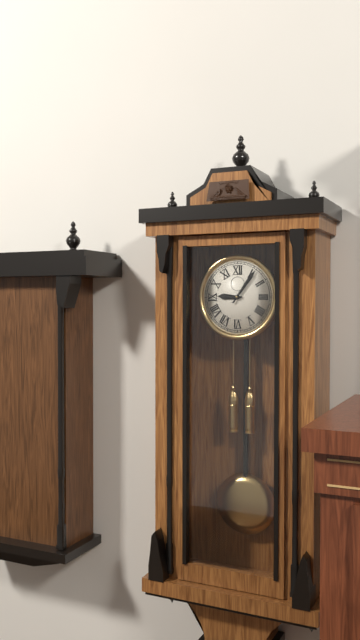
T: **9:06**
